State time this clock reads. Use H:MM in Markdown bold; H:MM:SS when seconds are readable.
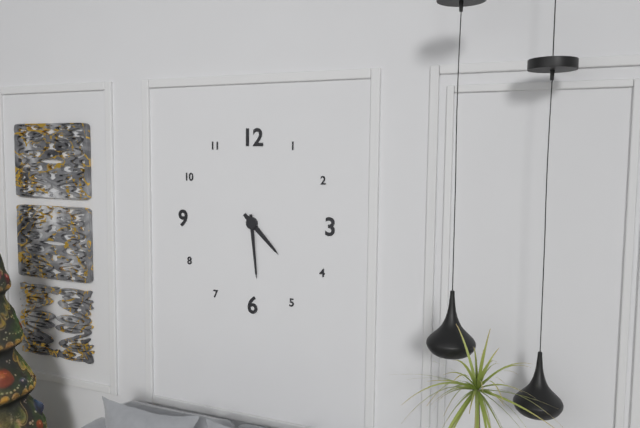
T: **4:29**
